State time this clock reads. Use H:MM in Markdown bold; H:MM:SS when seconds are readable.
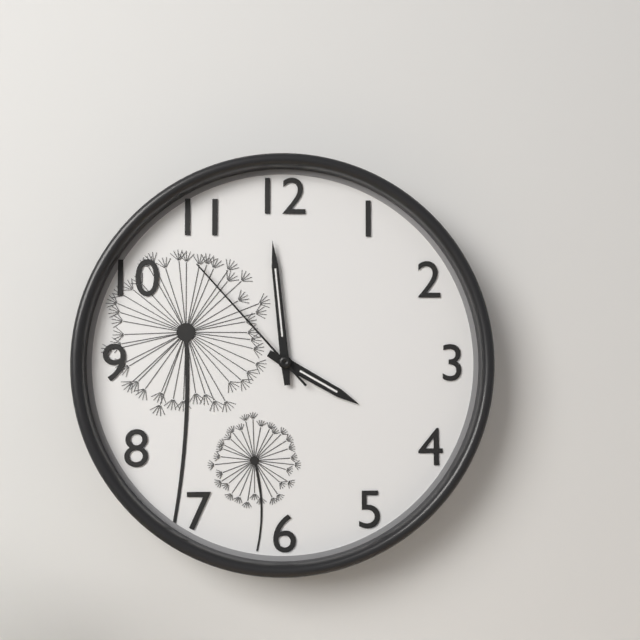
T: **3:59:53**
